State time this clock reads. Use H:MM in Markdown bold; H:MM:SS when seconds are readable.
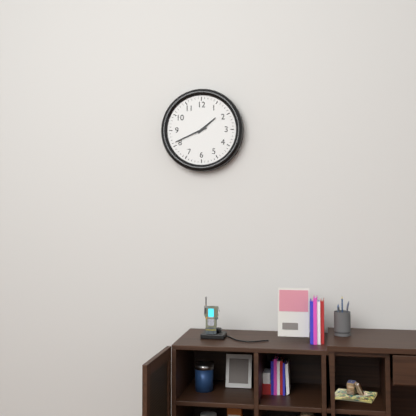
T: **1:41**
